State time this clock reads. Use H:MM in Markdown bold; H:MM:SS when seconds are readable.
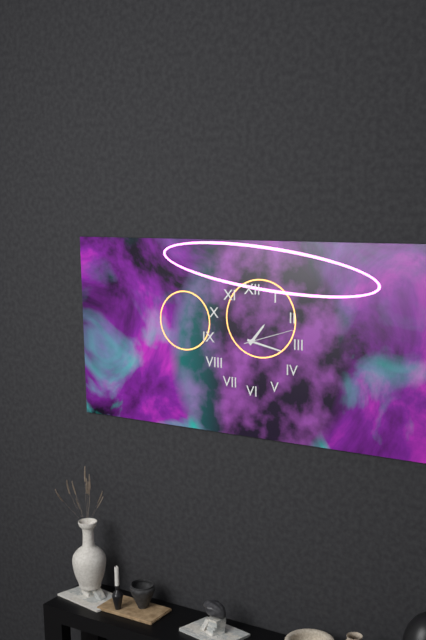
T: **1:17:12**
